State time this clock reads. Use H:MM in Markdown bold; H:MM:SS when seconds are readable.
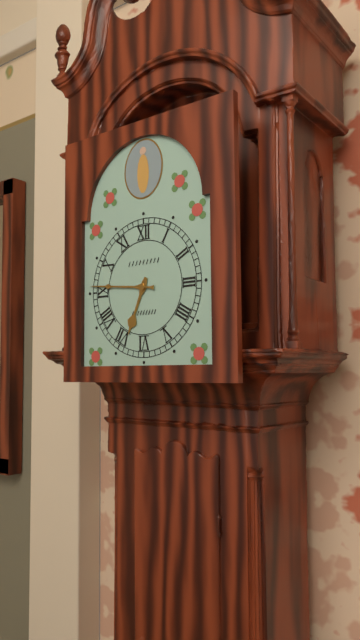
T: **6:46**
